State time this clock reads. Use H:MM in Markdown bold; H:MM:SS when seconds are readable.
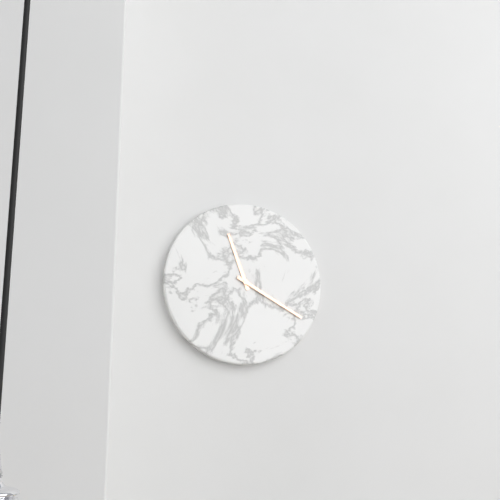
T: **11:20**
